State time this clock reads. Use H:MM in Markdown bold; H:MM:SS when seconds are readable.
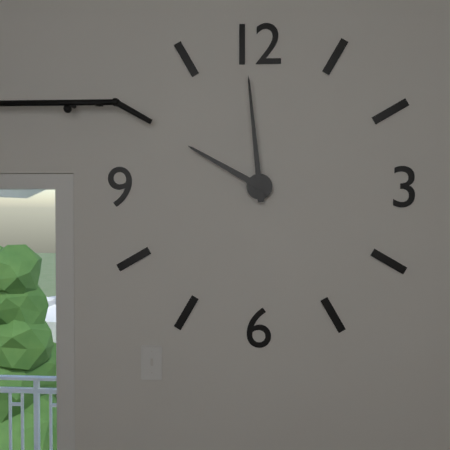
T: **9:59**
